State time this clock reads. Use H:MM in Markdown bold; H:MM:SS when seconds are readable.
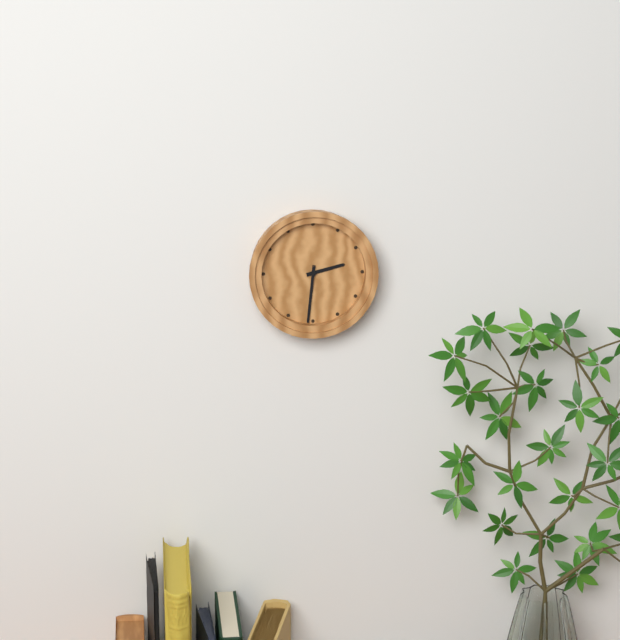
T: **2:31**
